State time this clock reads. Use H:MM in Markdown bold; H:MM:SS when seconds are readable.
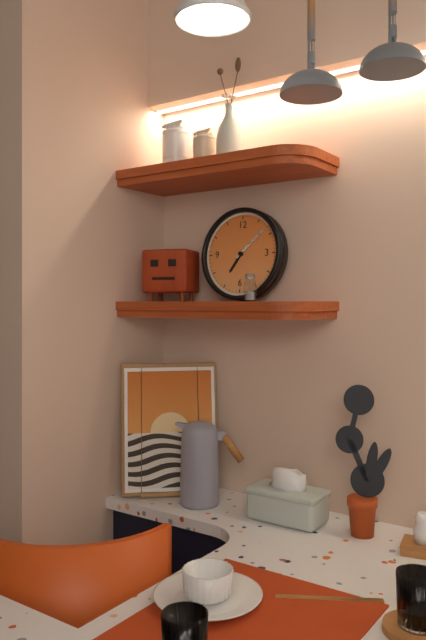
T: **7:08**
